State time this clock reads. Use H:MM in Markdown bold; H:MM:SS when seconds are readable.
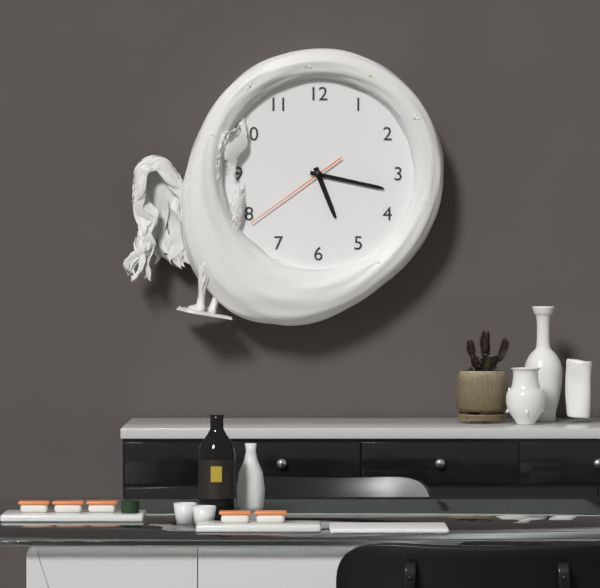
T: **5:17:39**
